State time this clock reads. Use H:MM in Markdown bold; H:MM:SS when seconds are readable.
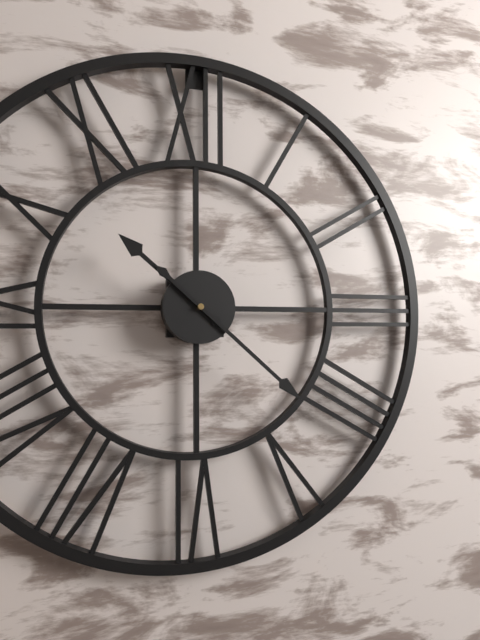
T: **10:22**
